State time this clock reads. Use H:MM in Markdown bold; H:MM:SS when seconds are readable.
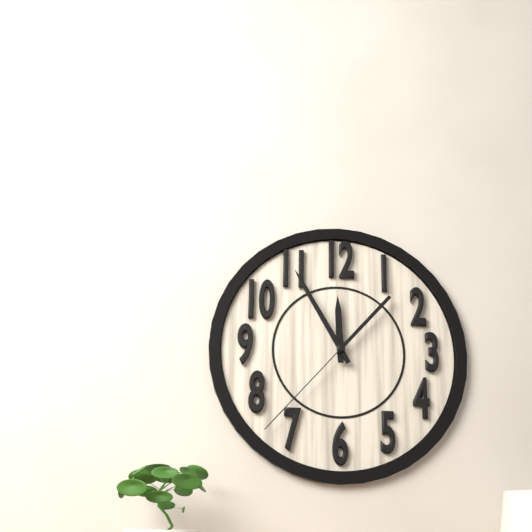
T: **11:55:37**
